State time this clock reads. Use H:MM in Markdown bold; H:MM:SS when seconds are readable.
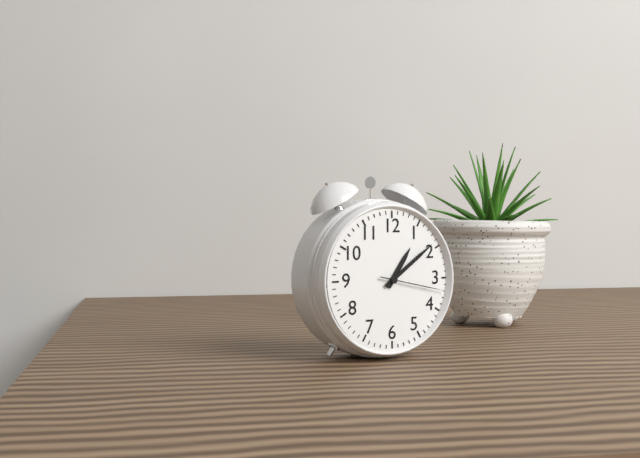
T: **1:09:17**
